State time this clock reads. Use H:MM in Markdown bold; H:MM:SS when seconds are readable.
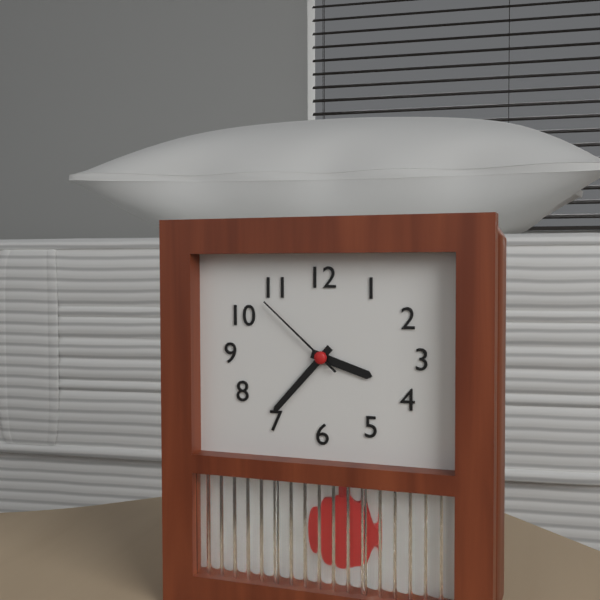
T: **3:37:52**
